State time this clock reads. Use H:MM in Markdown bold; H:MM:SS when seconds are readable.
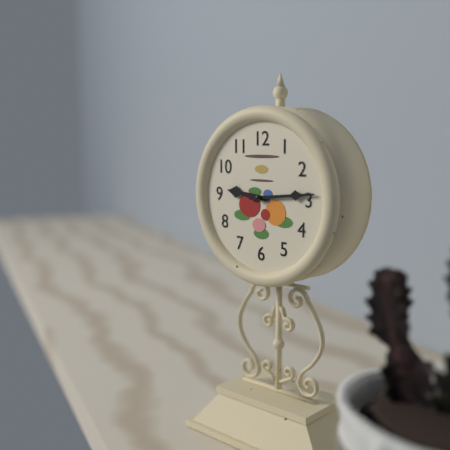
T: **9:14**
